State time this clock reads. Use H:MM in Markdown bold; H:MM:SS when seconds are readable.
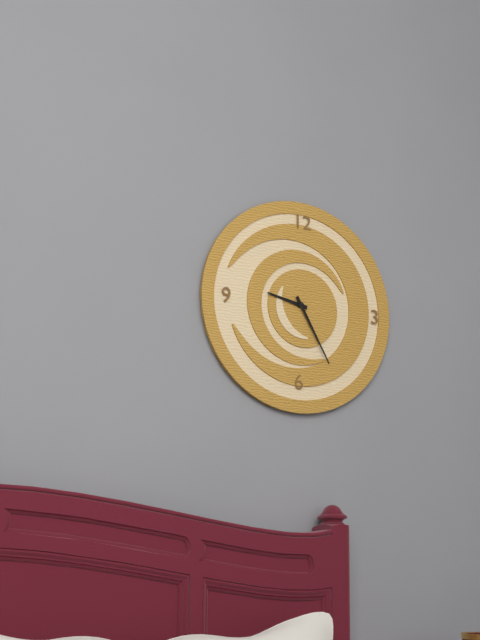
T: **9:25**
